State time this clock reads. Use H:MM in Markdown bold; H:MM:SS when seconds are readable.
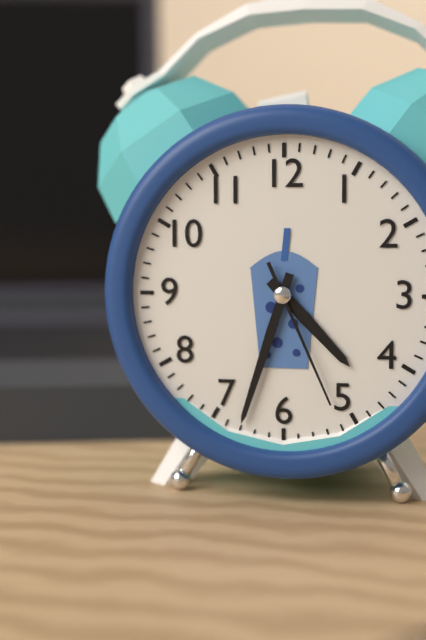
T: **4:33:26**
